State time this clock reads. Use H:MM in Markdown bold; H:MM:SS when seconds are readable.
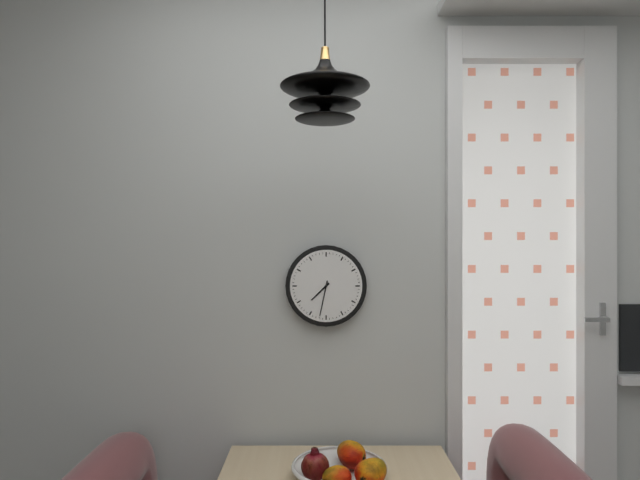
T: **7:32**
